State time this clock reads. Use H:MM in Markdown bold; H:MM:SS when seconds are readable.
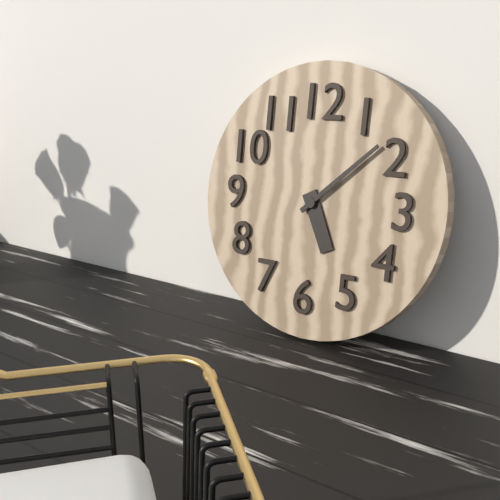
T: **5:08**
